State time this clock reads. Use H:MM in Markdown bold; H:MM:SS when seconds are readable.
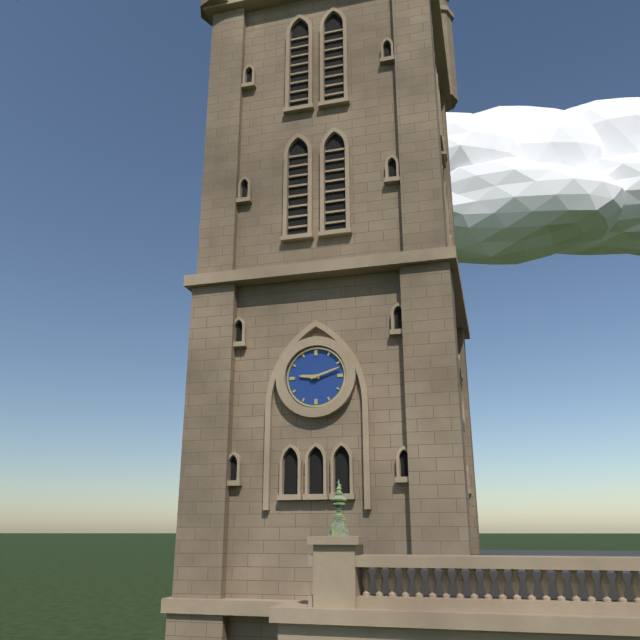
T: **9:12**
